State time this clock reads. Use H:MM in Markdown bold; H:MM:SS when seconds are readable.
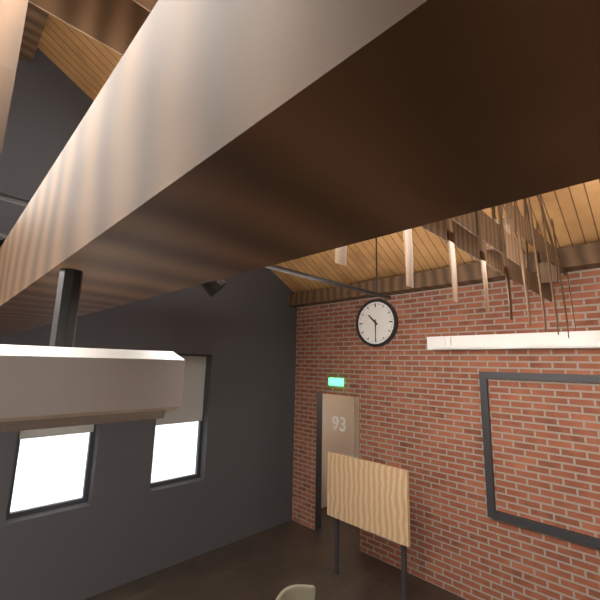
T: **10:30**
